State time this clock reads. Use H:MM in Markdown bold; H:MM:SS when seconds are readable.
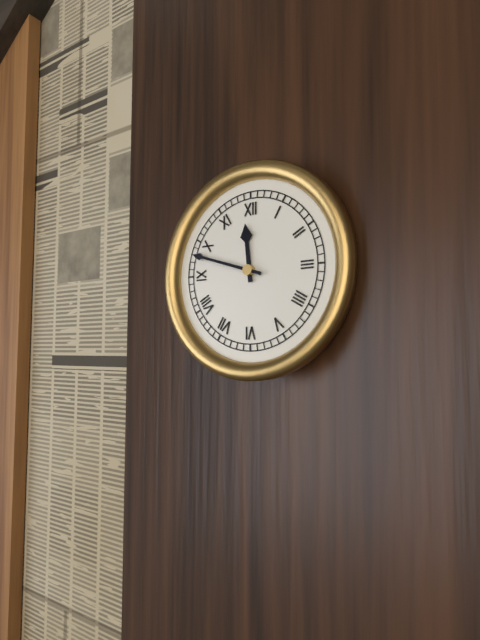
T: **11:48**
